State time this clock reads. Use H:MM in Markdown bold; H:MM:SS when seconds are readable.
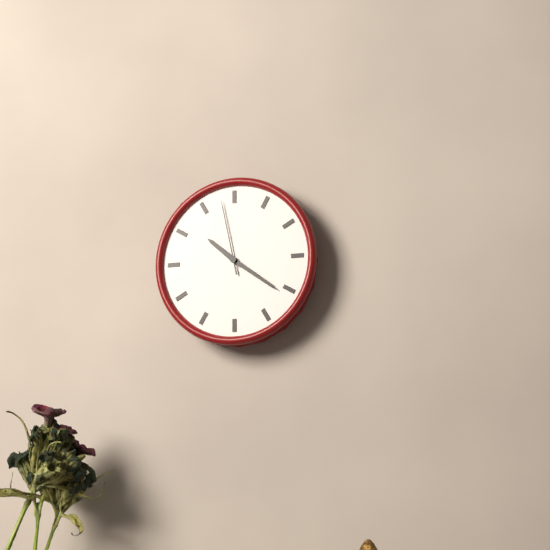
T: **10:21:58**
